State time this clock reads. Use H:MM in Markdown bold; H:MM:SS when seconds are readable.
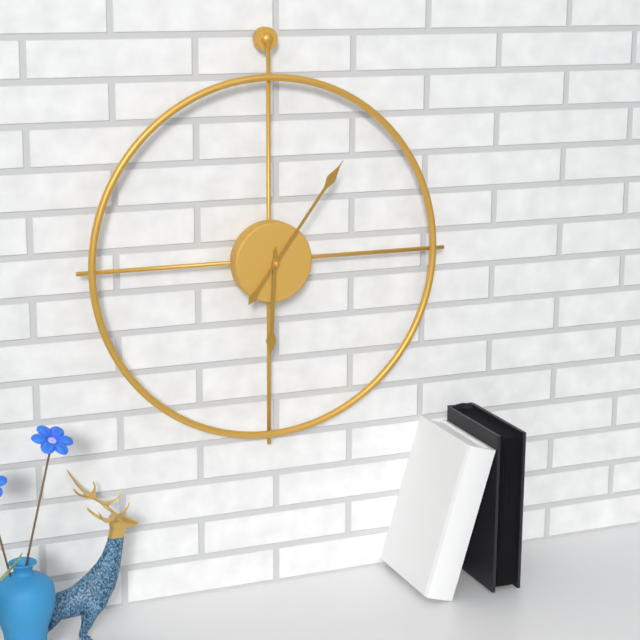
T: **6:06**
